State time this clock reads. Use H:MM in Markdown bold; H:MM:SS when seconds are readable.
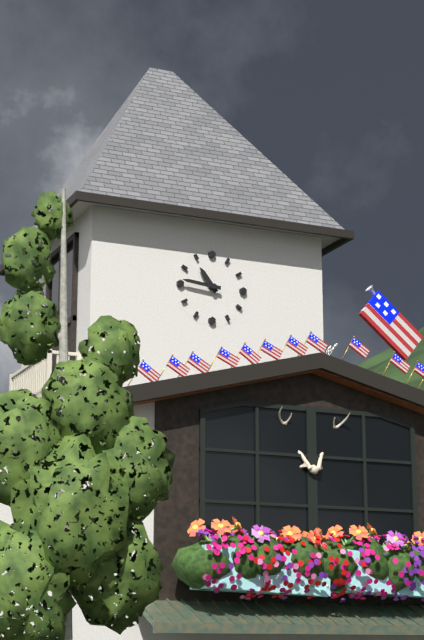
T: **10:46**
